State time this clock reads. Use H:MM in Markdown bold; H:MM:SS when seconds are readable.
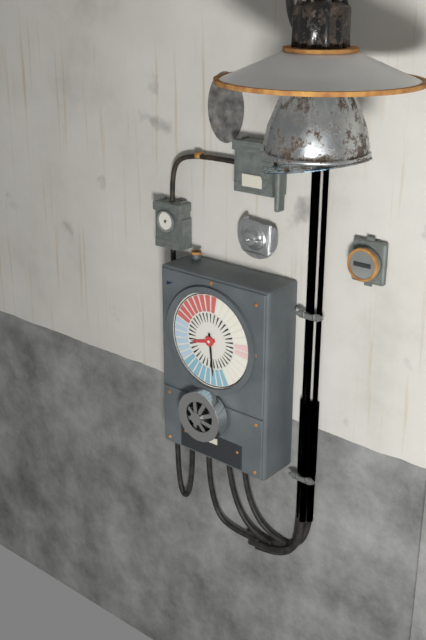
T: **8:29**
